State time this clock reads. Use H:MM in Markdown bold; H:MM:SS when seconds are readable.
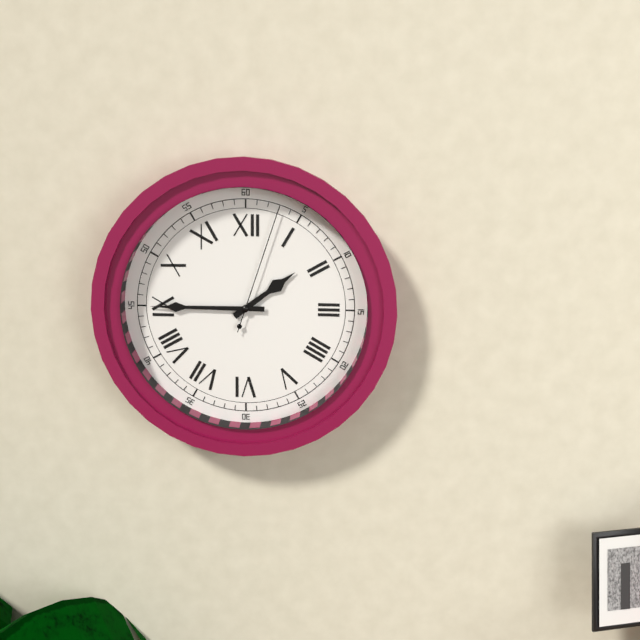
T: **1:45:03**
